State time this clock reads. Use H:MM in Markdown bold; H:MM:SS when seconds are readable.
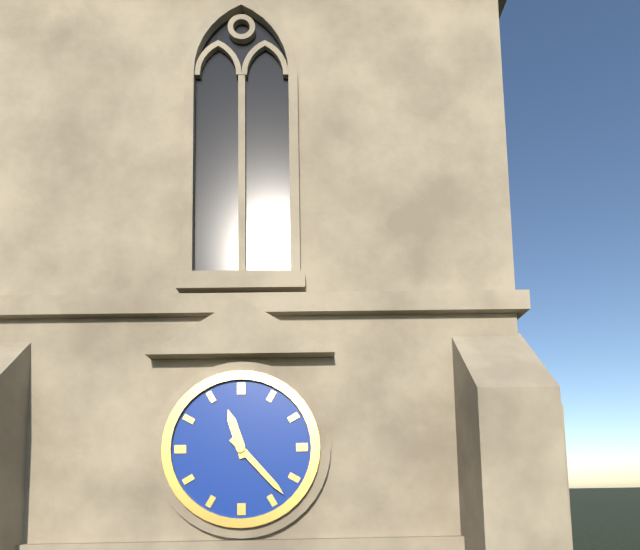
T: **11:23**
